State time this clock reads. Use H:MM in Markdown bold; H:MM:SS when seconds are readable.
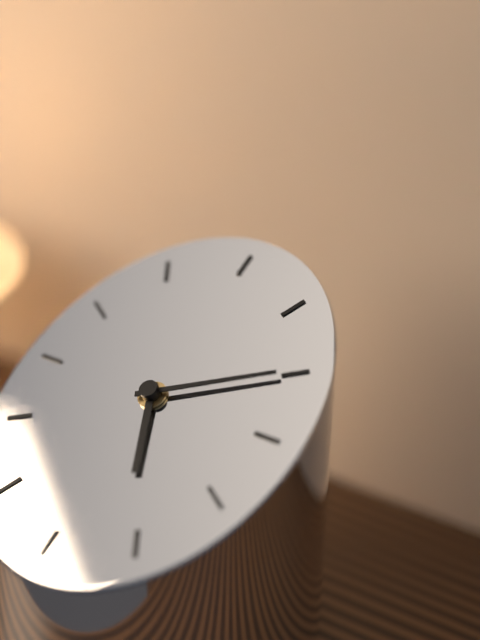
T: **5:10**
